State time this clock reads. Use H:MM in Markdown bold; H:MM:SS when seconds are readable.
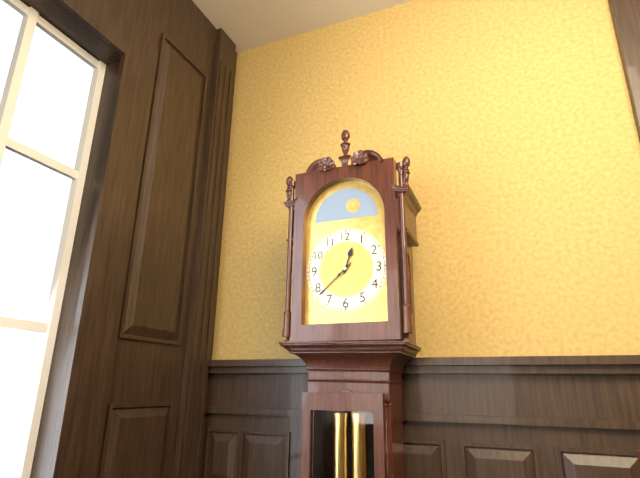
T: **12:38**
